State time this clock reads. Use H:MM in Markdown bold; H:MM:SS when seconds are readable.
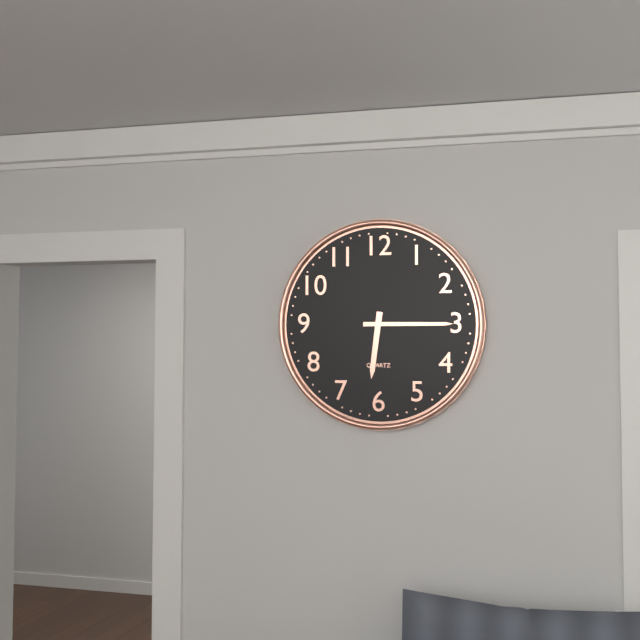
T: **6:15**
